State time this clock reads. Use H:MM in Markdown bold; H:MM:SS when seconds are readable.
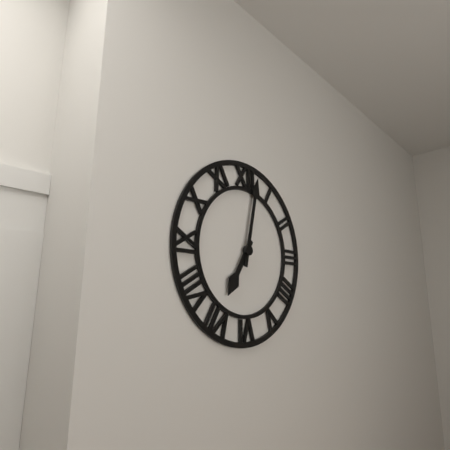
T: **7:02**
